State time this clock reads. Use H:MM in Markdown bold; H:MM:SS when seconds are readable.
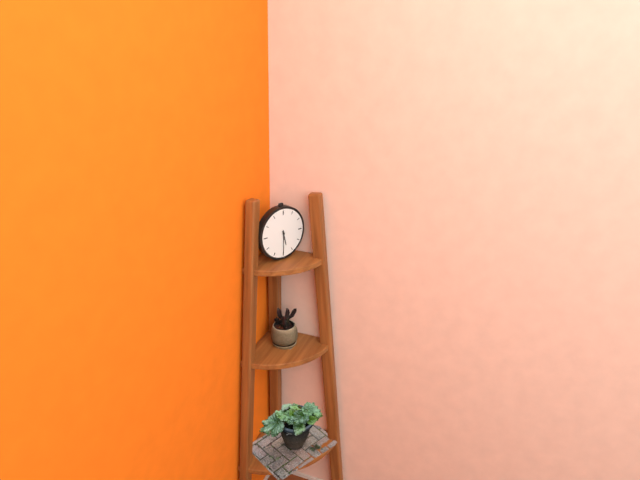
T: **5:30**
